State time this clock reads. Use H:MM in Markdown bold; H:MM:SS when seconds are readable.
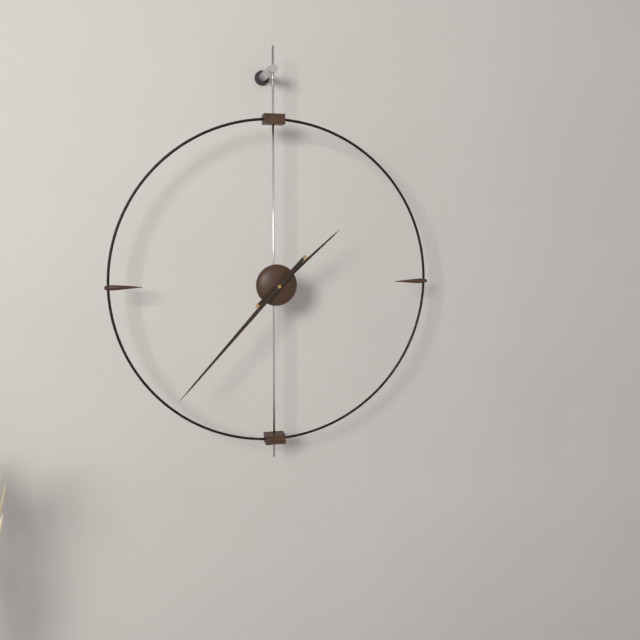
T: **1:37**
